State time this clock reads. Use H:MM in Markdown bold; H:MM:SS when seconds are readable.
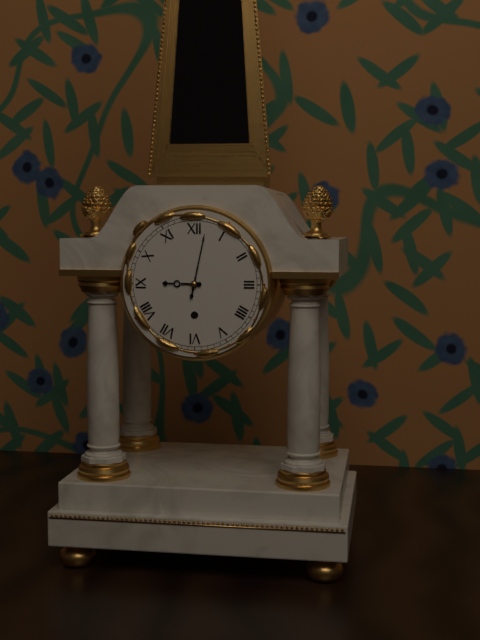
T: **9:02**
